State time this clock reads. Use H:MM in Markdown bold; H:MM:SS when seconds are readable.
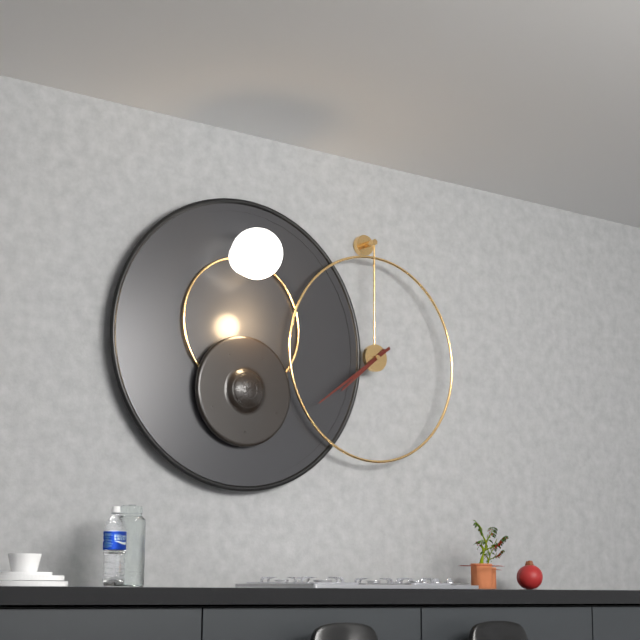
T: **7:39**
